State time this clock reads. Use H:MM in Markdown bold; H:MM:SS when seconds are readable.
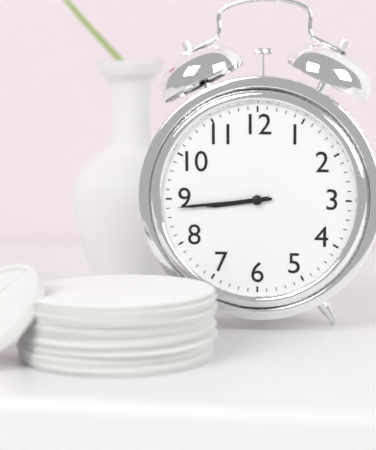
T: **8:44**
